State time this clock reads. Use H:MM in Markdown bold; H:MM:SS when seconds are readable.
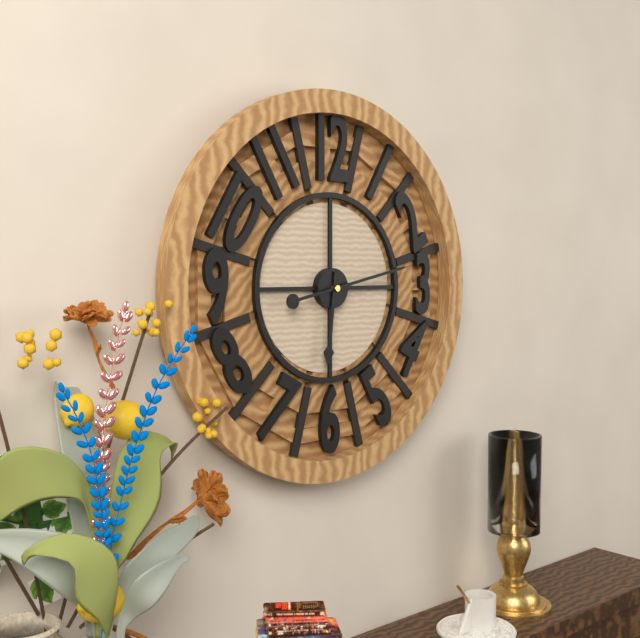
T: **6:13**
